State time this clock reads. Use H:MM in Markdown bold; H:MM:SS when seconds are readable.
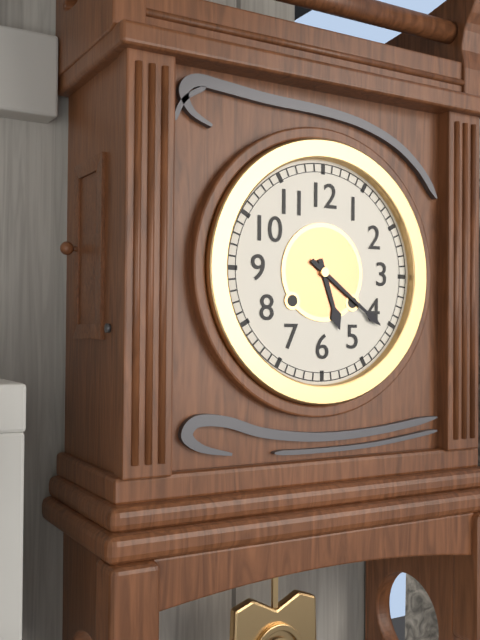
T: **5:21**
